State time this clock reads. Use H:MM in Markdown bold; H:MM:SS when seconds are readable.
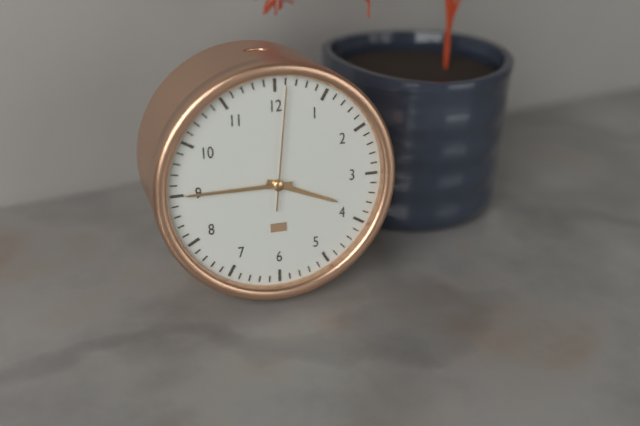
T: **3:45:01**
